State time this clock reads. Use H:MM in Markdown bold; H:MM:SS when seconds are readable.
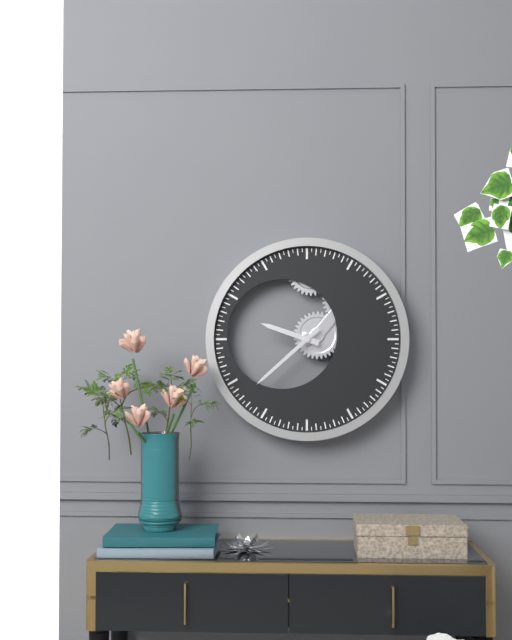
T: **9:38**
